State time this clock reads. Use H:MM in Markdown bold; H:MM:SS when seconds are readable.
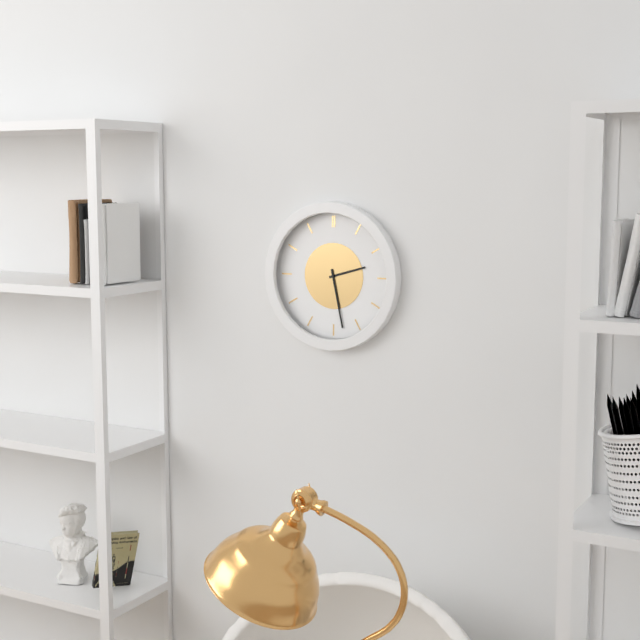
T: **2:28**
